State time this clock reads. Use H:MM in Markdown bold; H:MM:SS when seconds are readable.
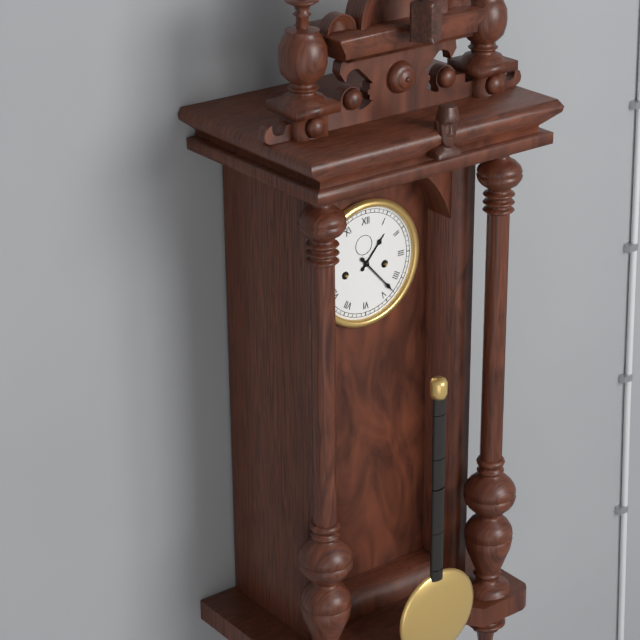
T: **1:23**
